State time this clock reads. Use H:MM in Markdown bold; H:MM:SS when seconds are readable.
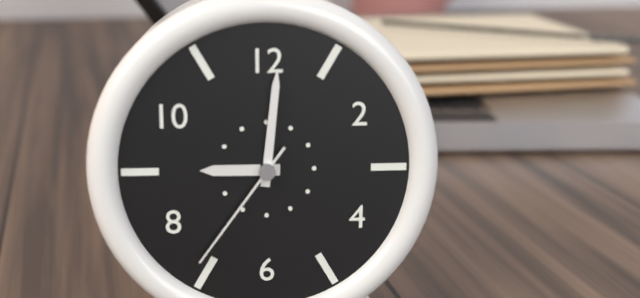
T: **9:01:36**
